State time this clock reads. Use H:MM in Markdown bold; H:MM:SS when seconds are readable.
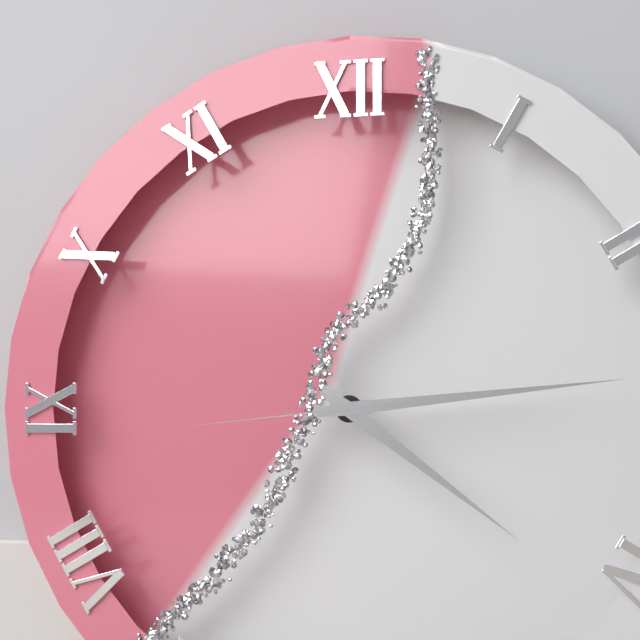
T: **4:14:44**
